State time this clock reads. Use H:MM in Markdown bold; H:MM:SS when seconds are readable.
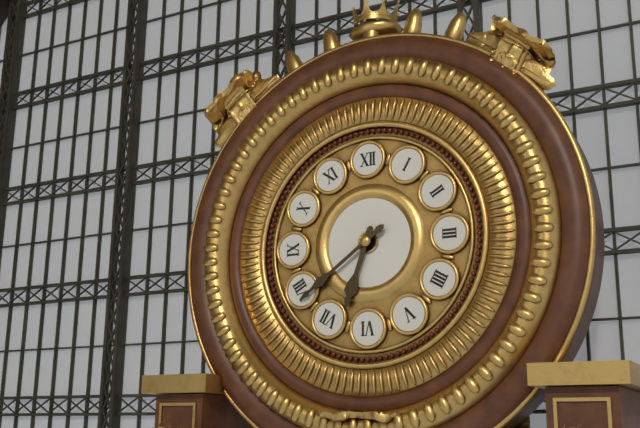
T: **6:39**
